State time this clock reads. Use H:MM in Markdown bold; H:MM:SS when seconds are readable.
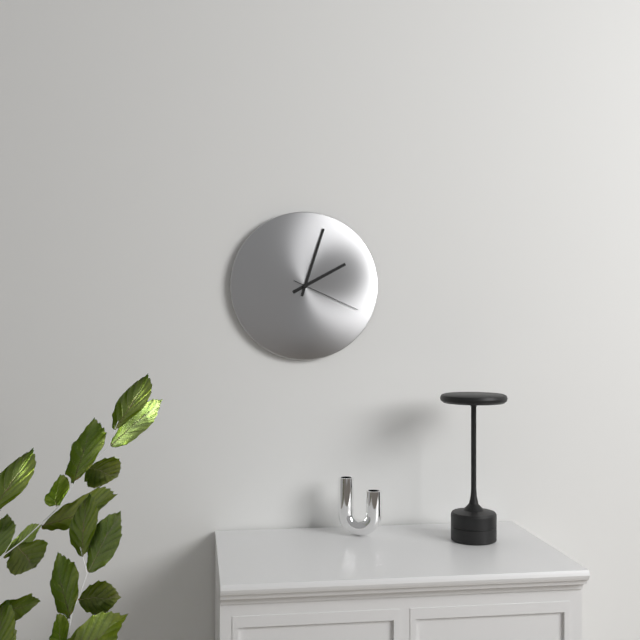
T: **2:03:19**
